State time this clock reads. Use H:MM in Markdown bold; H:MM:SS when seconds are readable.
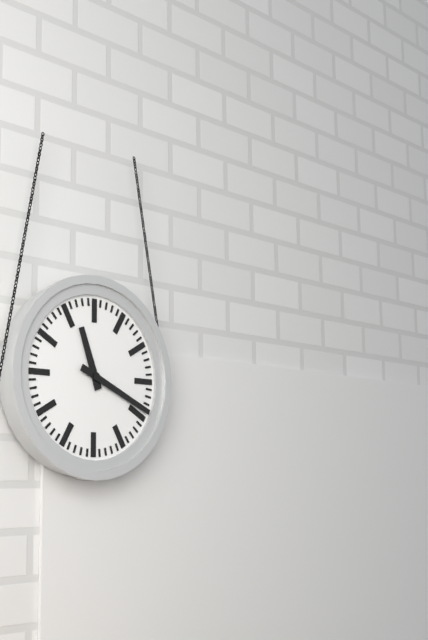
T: **11:19**
